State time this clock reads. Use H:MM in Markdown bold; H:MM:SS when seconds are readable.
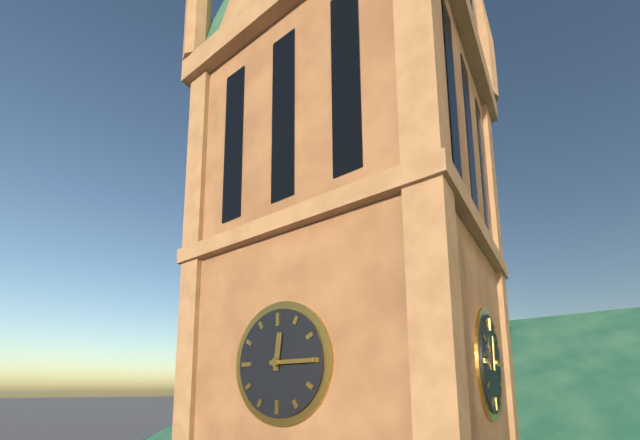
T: **12:15**
